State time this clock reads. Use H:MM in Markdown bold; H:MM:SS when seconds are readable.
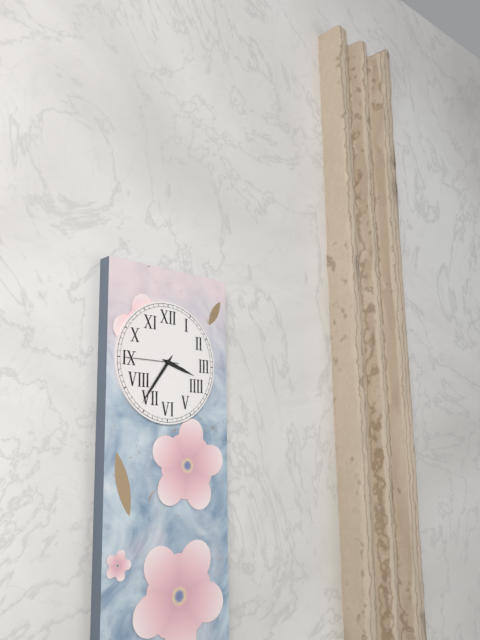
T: **3:36:45**
